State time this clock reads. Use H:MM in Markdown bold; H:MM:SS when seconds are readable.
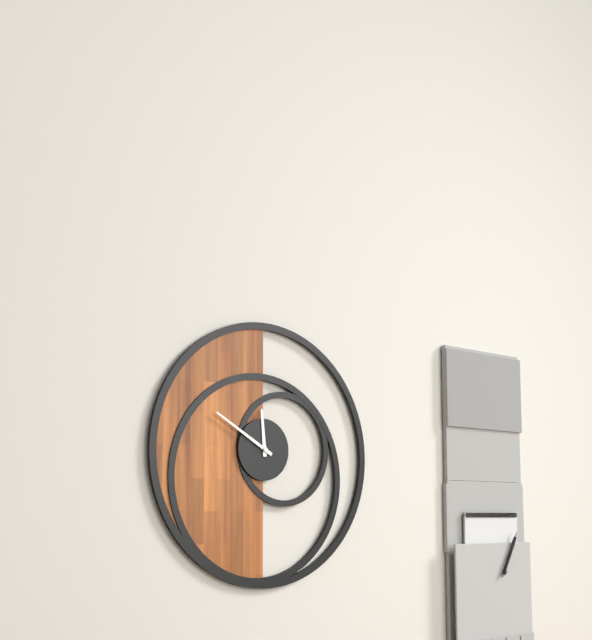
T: **11:50**
